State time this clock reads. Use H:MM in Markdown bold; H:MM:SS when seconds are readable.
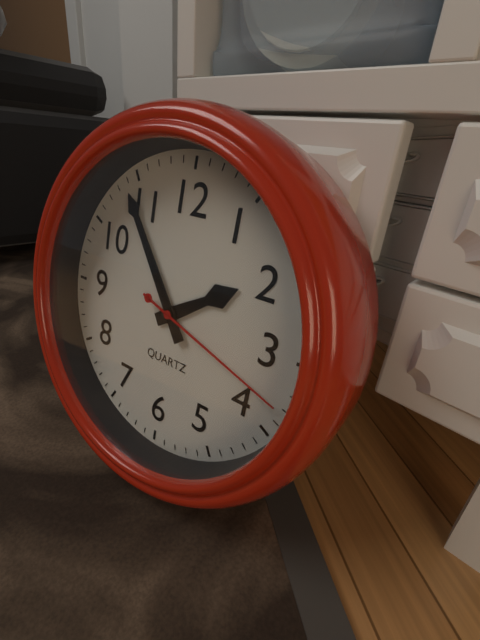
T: **1:54:18**
